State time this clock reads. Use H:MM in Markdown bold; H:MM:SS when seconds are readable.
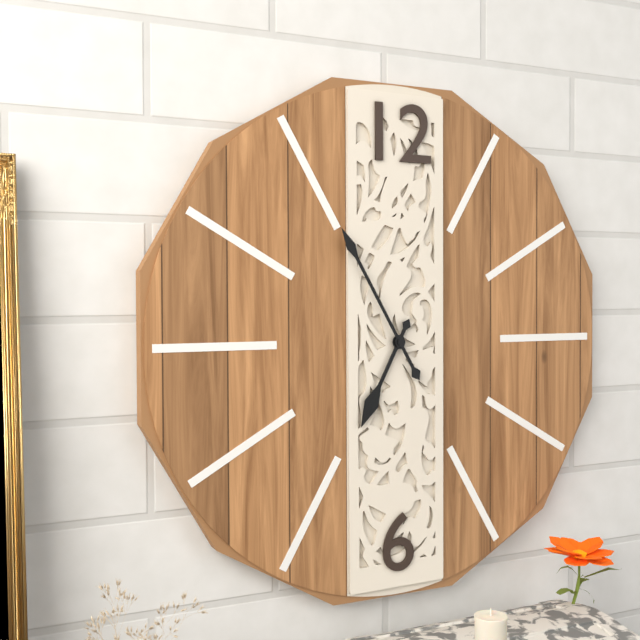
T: **6:55**
